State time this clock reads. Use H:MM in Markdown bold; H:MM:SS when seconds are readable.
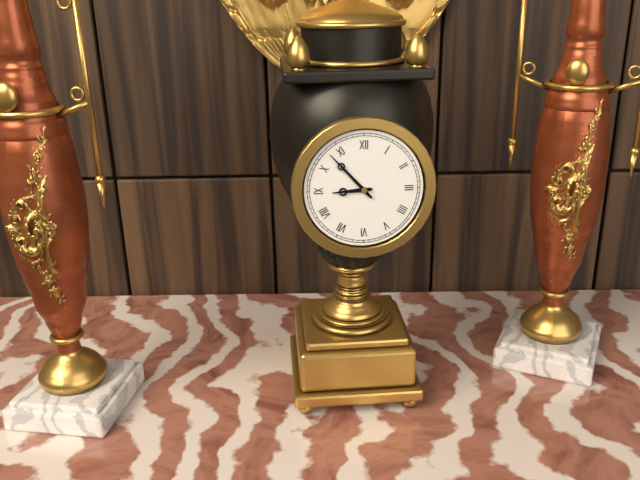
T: **8:53**
